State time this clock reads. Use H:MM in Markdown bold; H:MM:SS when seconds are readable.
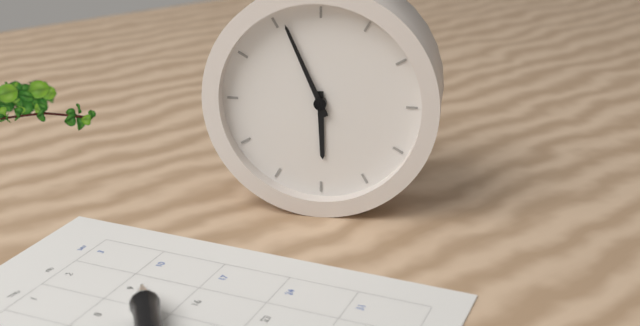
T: **5:56**
